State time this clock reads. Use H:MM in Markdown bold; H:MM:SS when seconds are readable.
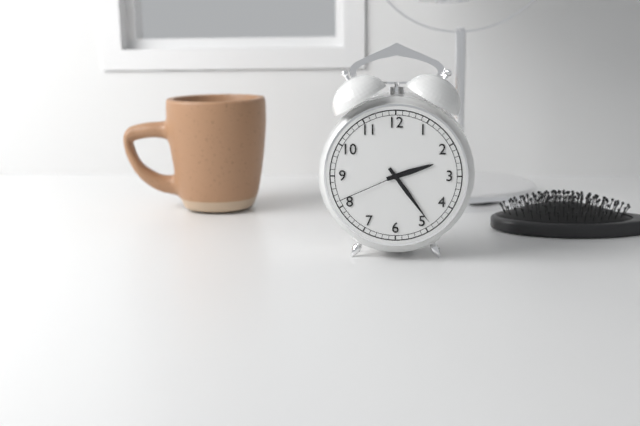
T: **2:24:41**
